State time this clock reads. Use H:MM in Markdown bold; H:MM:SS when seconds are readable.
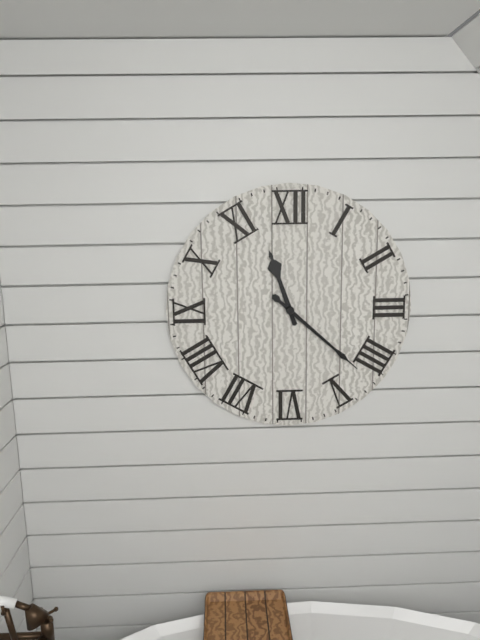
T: **11:22**
